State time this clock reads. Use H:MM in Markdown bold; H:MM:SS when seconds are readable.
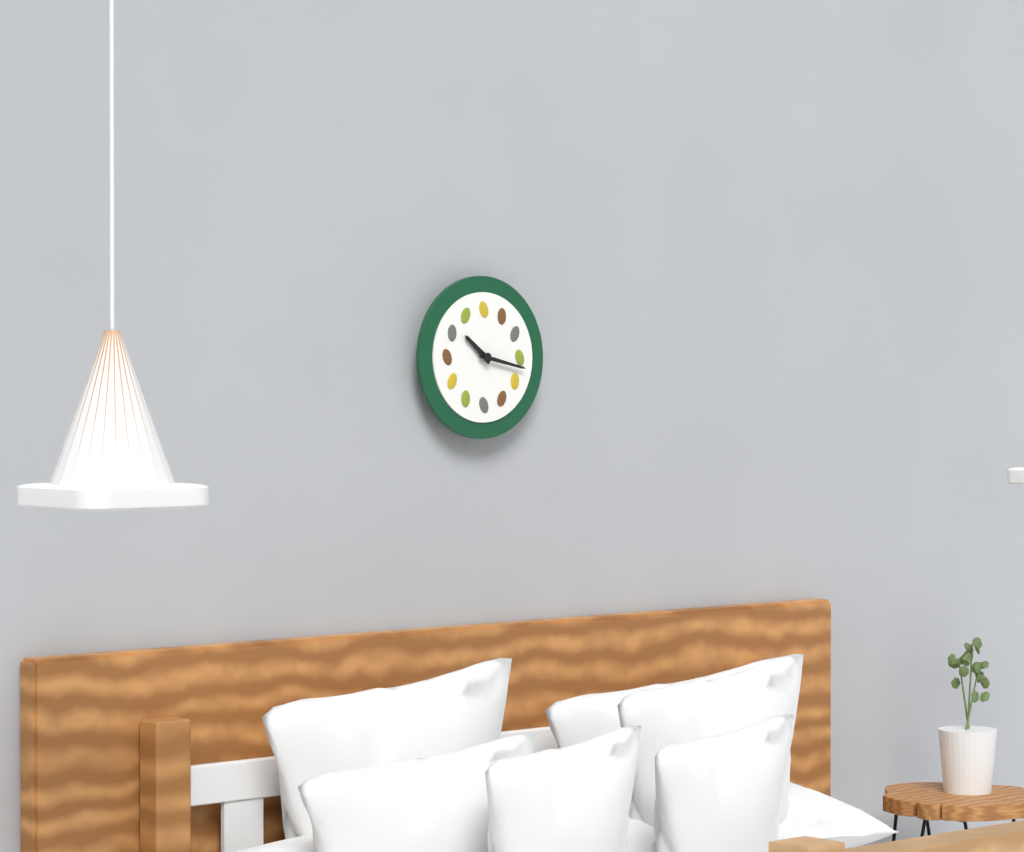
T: **10:17**
